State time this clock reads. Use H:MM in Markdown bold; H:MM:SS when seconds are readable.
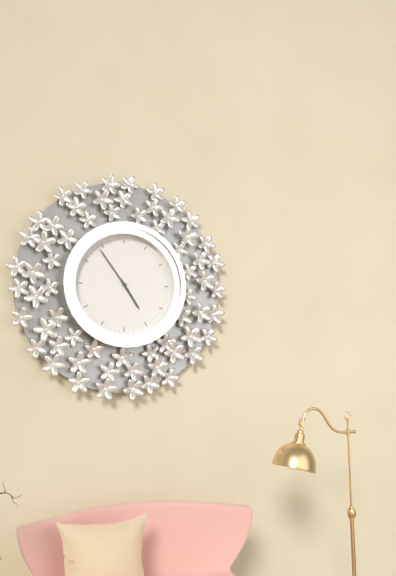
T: **4:54**
